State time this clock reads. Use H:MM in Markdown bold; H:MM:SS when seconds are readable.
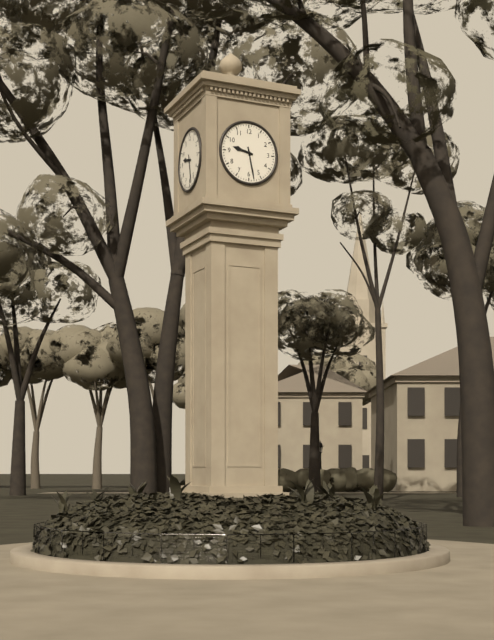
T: **9:28**
